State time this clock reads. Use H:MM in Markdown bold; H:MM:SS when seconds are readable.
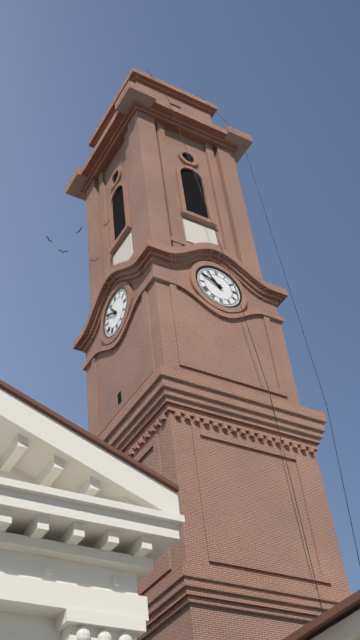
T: **10:50**
